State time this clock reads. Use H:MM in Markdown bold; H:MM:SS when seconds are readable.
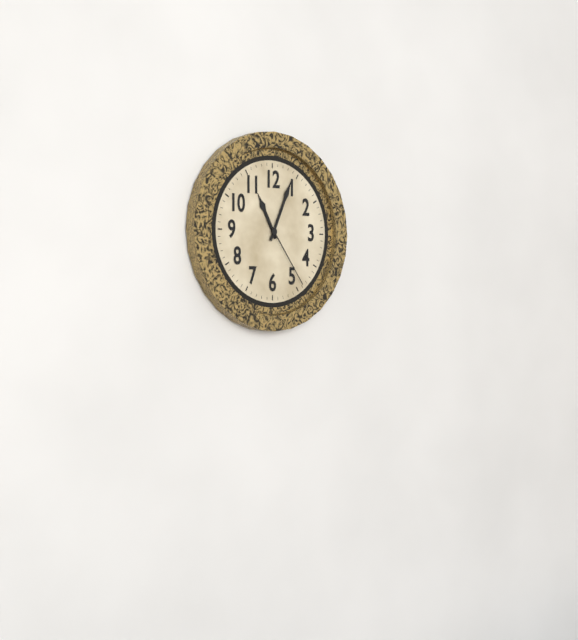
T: **11:04:24**
